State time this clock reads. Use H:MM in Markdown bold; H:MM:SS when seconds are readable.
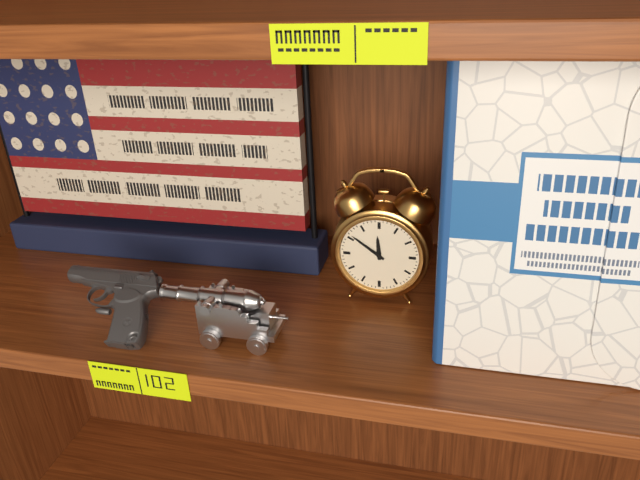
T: **11:51**
